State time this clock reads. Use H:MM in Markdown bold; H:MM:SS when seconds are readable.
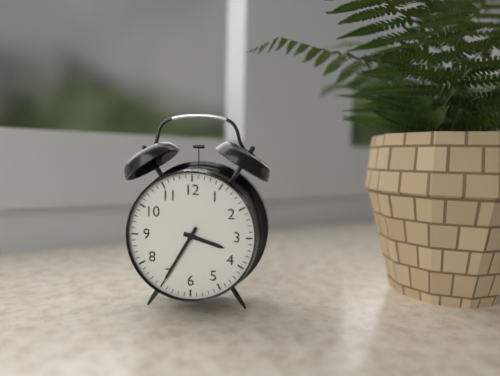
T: **3:35**
